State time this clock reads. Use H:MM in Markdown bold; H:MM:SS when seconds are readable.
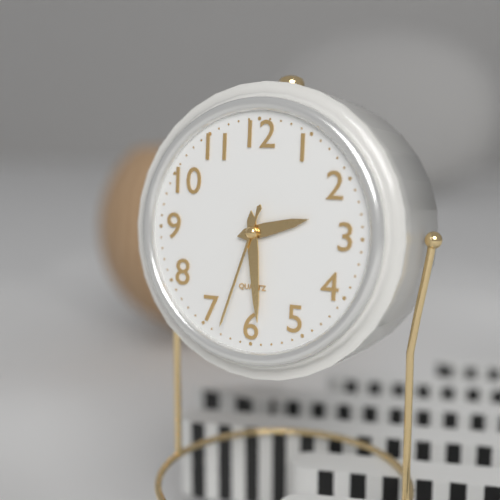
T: **2:29:33**
